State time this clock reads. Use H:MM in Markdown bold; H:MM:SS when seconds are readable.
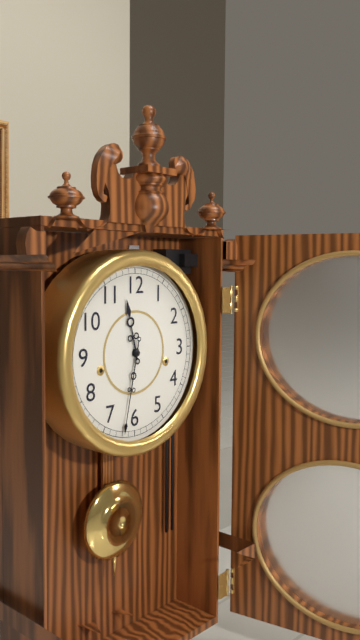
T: **11:32**
